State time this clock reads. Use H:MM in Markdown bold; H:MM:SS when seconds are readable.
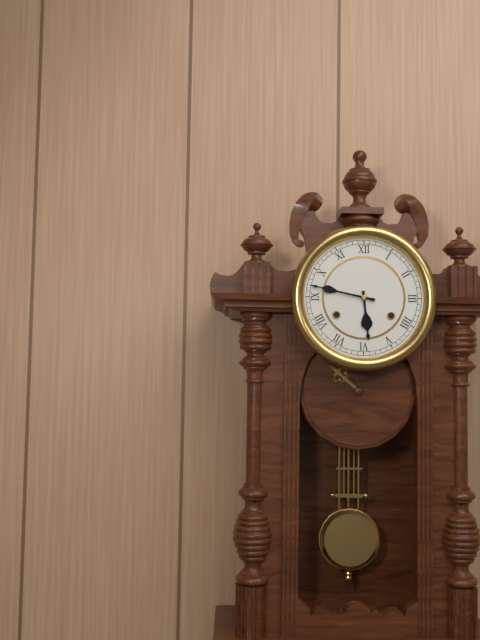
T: **5:47**
